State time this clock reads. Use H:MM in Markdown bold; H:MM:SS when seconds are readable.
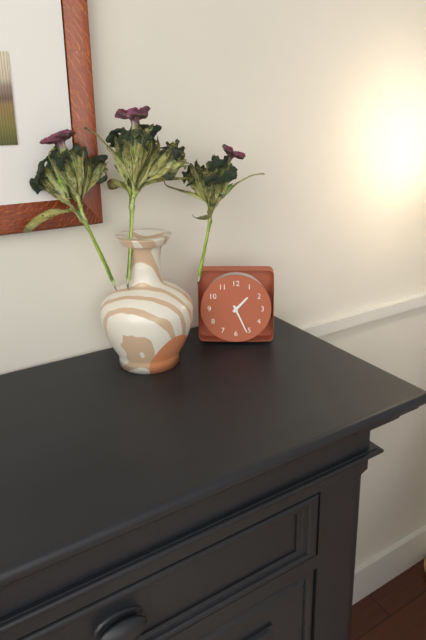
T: **1:26**
